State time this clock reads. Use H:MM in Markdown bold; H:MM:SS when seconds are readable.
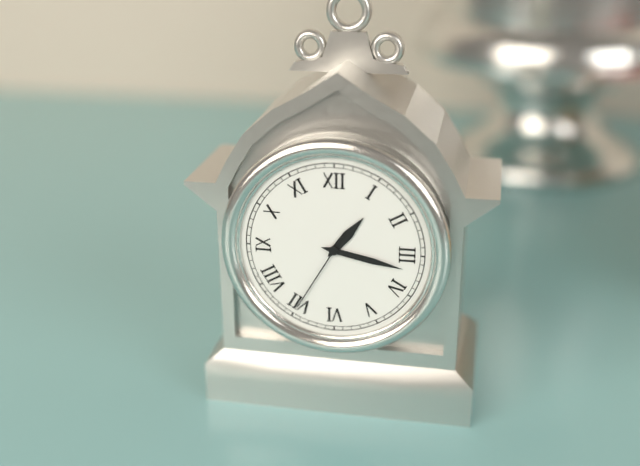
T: **1:17:35**
